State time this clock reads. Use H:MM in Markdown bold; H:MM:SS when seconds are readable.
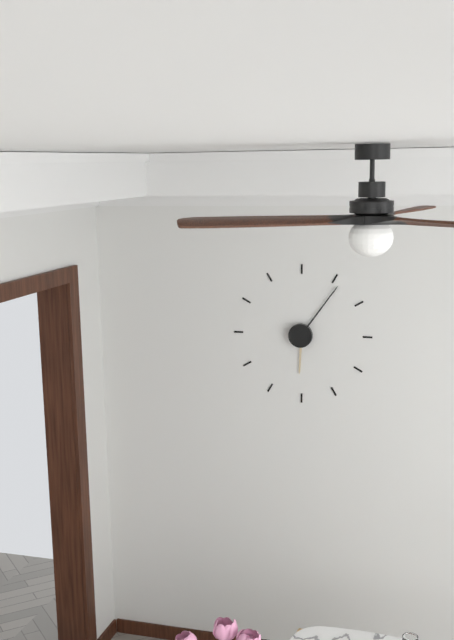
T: **6:06**
